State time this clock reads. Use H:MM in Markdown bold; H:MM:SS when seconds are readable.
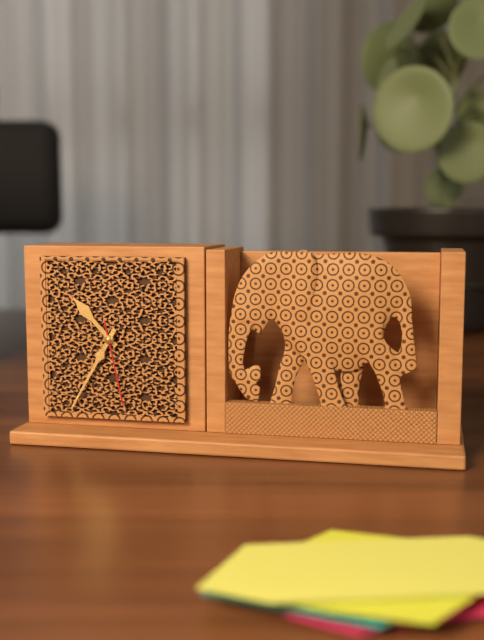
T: **10:35:28**
